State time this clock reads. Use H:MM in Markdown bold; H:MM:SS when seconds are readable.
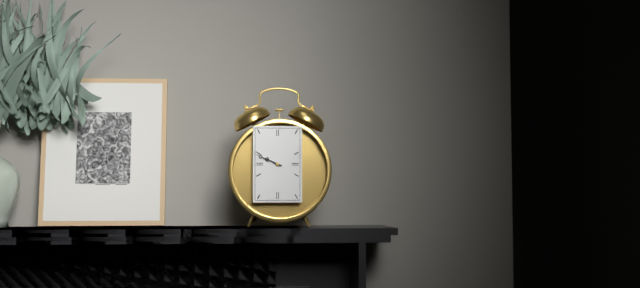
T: **9:49**
